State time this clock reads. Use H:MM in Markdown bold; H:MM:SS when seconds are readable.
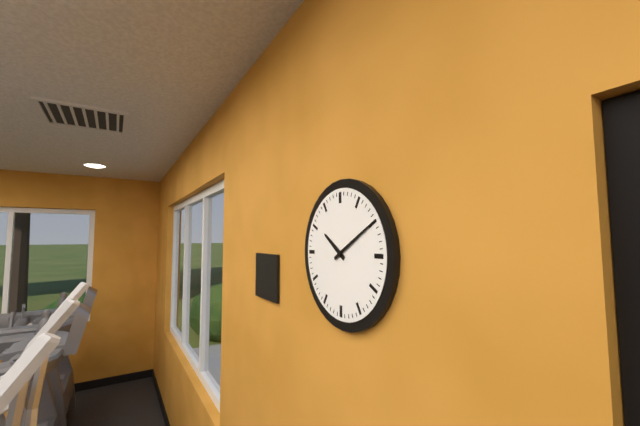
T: **10:10**
